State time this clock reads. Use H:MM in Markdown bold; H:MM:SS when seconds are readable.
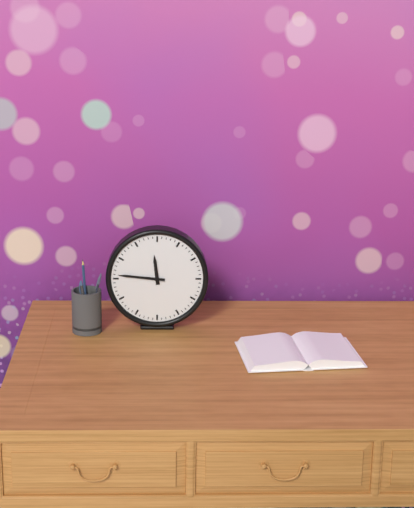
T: **11:46**
